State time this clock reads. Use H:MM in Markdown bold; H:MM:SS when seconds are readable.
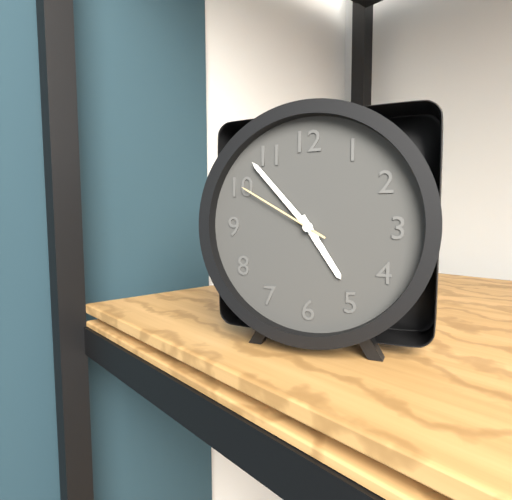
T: **4:53:50**
